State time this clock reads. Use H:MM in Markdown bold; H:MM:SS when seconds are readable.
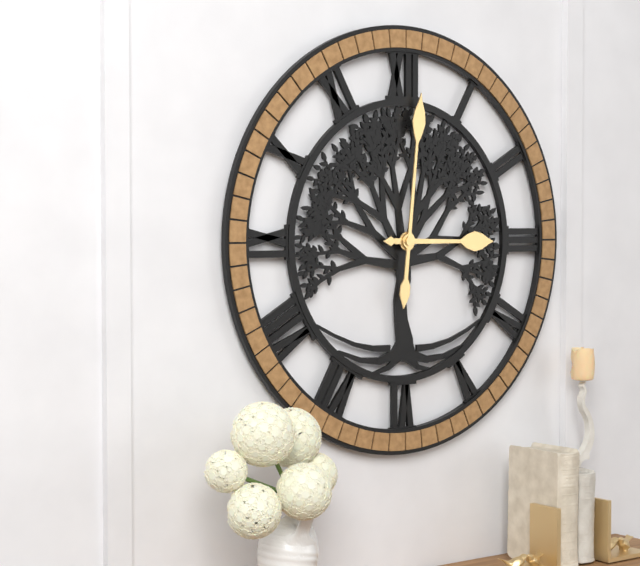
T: **3:01**
